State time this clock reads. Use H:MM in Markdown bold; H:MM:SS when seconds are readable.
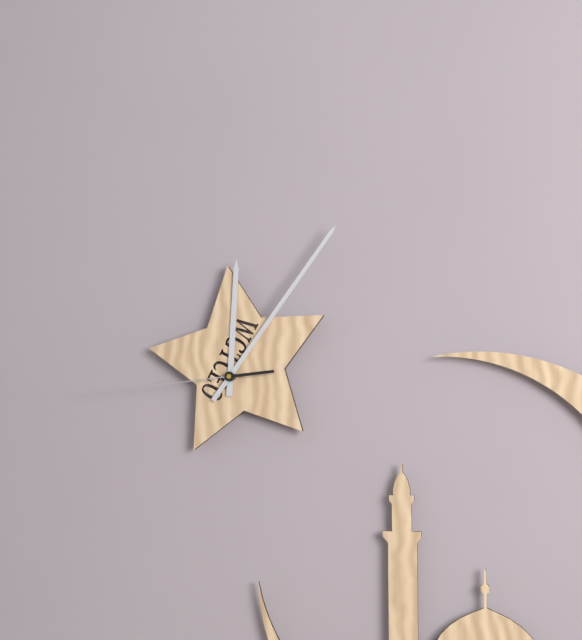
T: **12:06:44**
